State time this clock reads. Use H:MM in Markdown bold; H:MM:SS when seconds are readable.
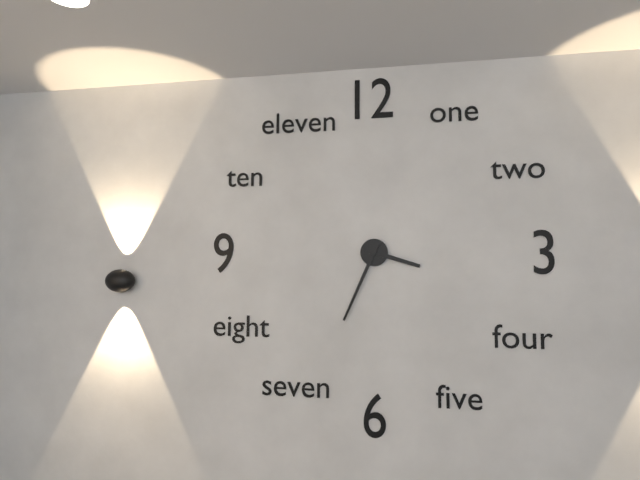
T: **3:34**
